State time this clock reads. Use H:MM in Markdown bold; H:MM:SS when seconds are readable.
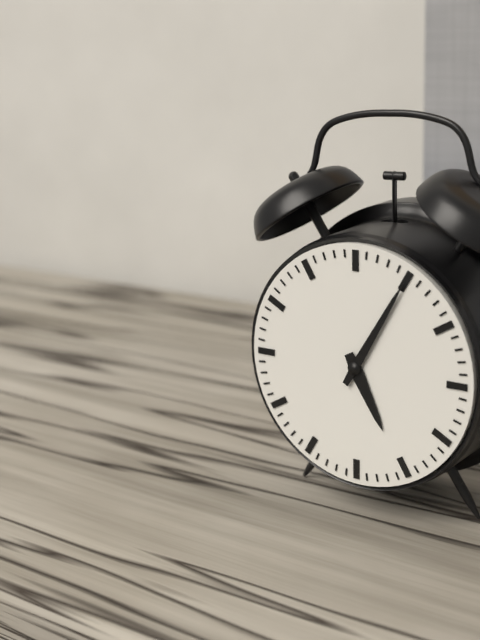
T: **5:05**
